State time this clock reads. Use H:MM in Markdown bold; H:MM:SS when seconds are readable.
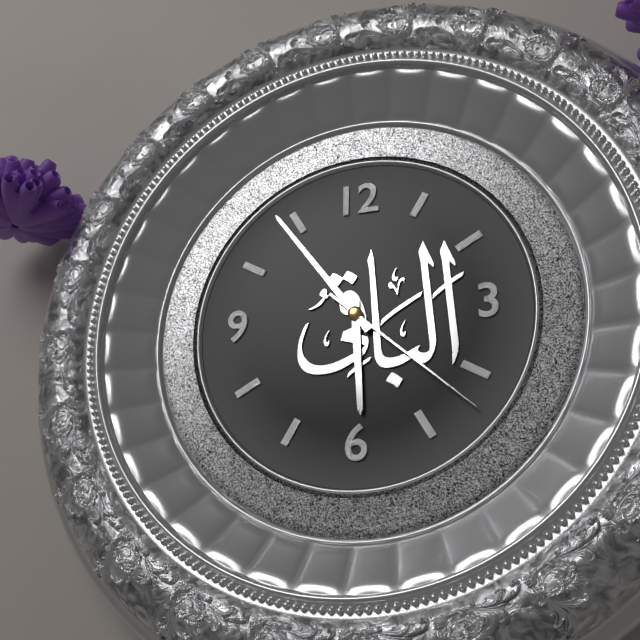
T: **5:54:22**
